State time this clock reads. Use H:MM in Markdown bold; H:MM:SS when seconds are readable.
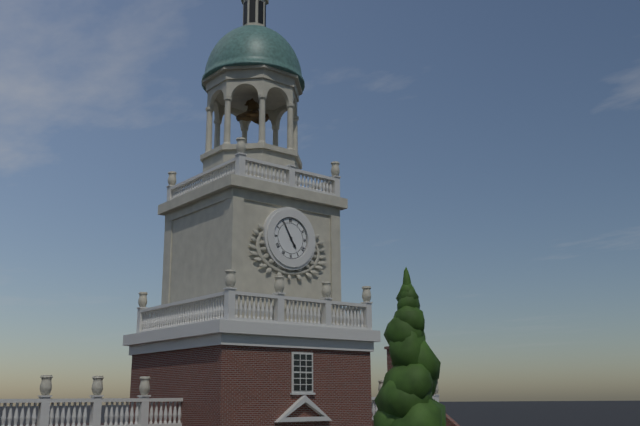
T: **4:55**
